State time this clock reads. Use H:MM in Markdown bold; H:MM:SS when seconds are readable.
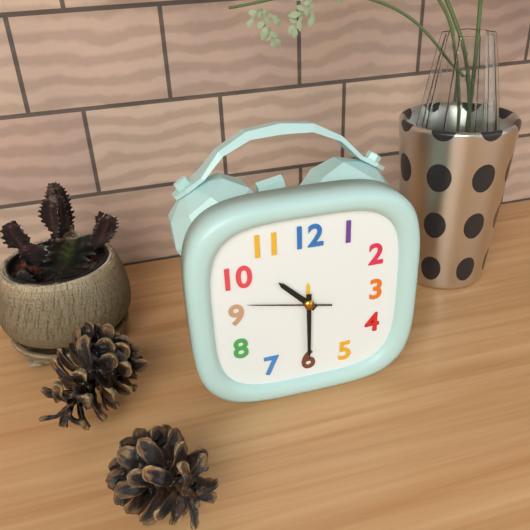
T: **10:30:47**
